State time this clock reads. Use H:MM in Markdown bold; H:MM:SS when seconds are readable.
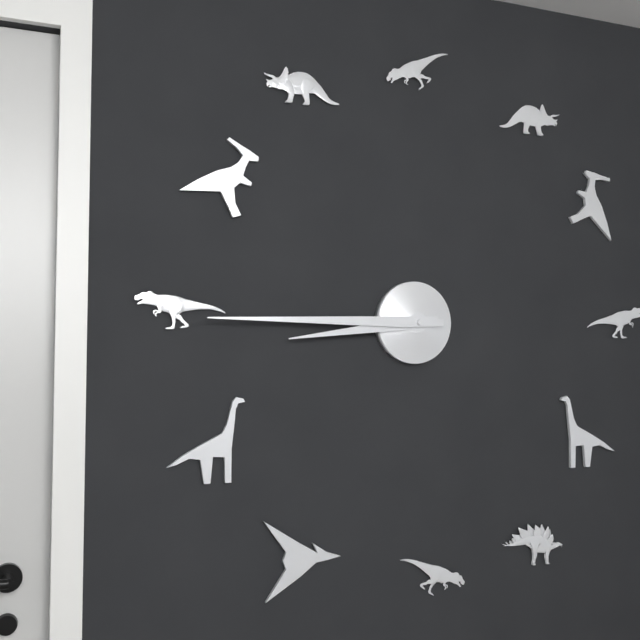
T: **8:45**
